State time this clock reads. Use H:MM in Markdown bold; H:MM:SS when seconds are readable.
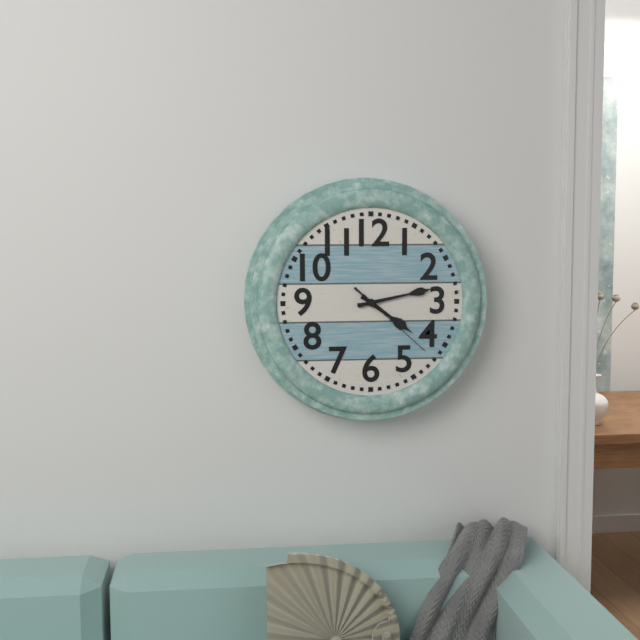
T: **4:13:22**
